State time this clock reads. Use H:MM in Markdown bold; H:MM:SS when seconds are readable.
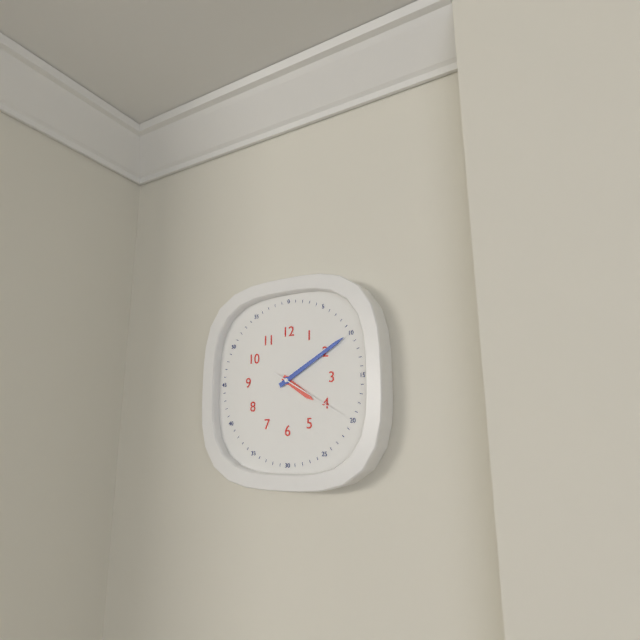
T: **4:10:20**
